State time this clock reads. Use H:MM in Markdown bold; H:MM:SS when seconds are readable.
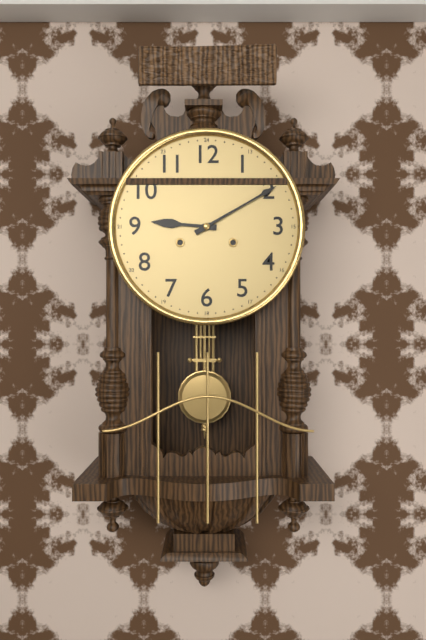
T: **9:10**
